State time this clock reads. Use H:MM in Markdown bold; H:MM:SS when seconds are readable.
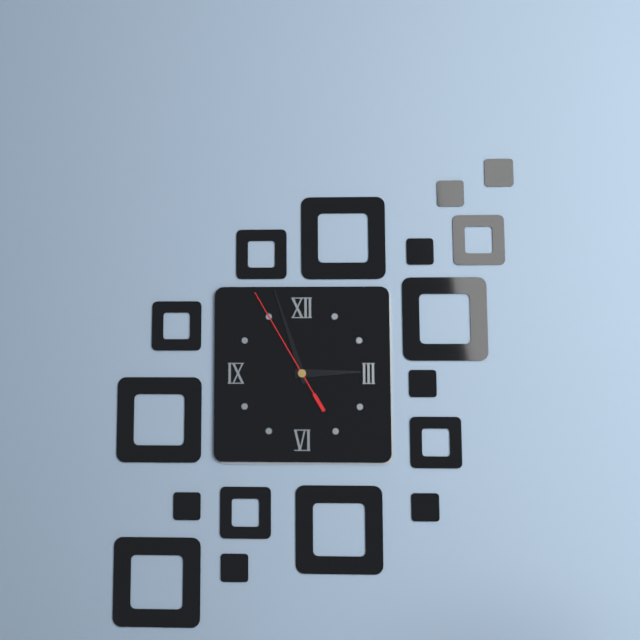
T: **2:57:55**
